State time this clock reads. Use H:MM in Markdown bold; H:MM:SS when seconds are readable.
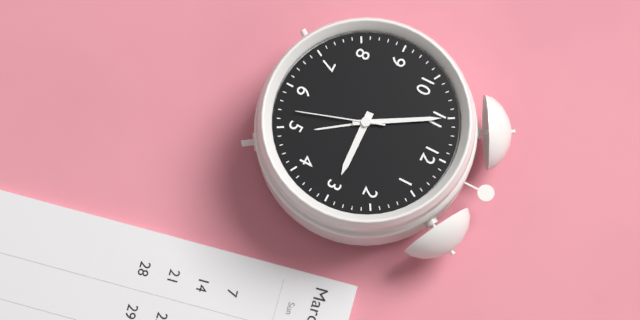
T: **2:55:27**
